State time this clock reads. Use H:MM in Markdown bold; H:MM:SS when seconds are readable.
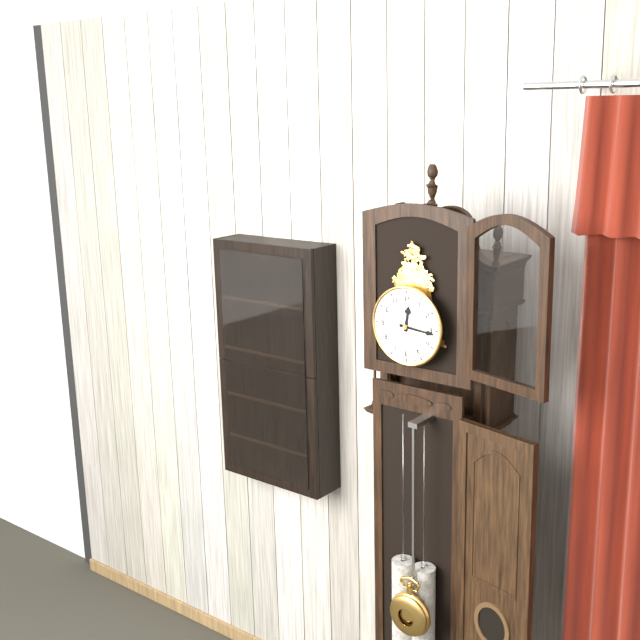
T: **12:16**
